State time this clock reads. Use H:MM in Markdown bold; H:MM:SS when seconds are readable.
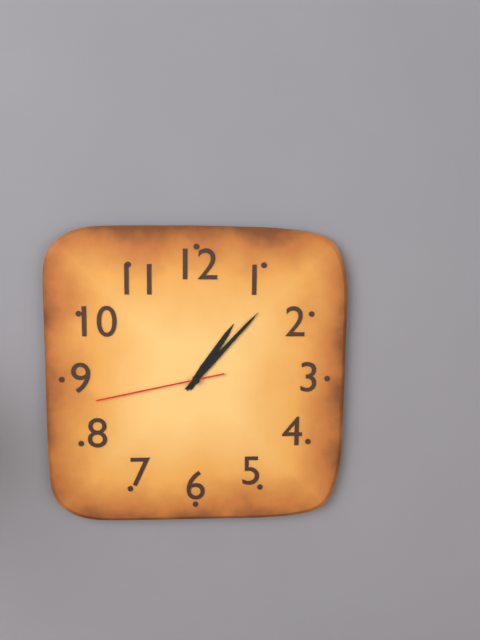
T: **1:07:43**
